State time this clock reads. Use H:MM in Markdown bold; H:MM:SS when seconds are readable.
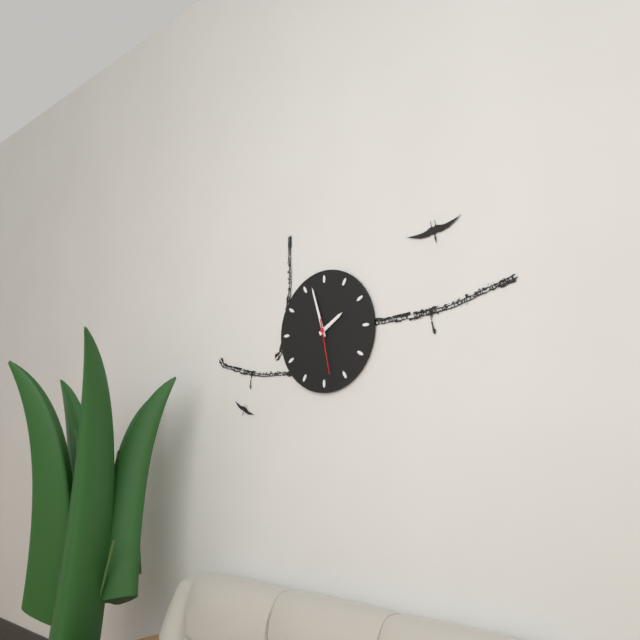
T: **1:57:28**
